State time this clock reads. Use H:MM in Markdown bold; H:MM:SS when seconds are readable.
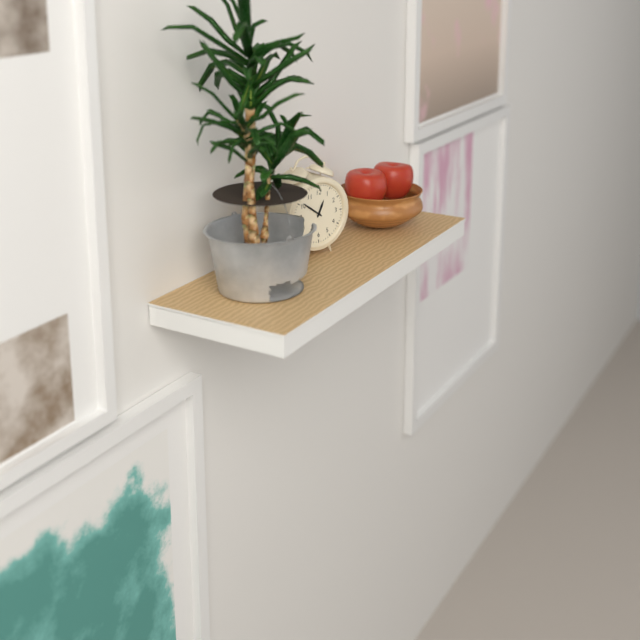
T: **12:51**
